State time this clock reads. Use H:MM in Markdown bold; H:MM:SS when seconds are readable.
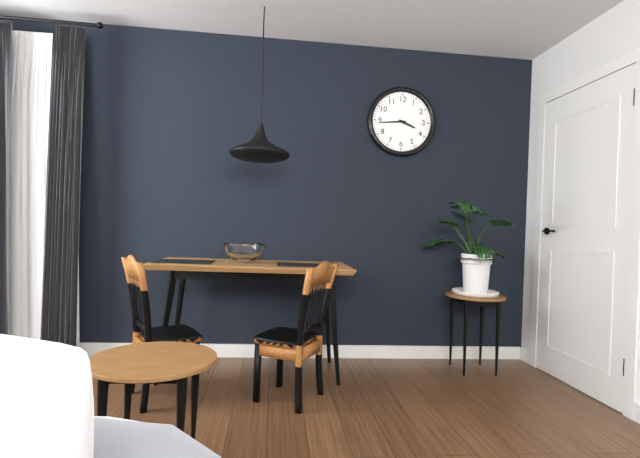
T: **3:44**
